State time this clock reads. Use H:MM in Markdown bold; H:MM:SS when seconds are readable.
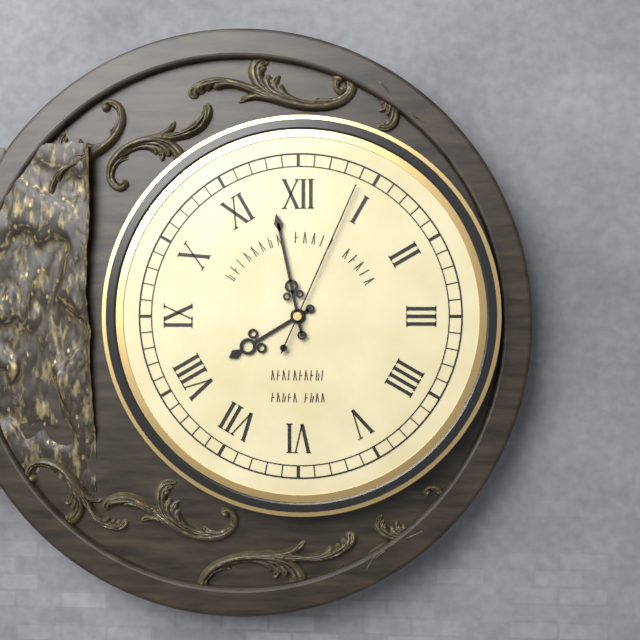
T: **7:58:04**
